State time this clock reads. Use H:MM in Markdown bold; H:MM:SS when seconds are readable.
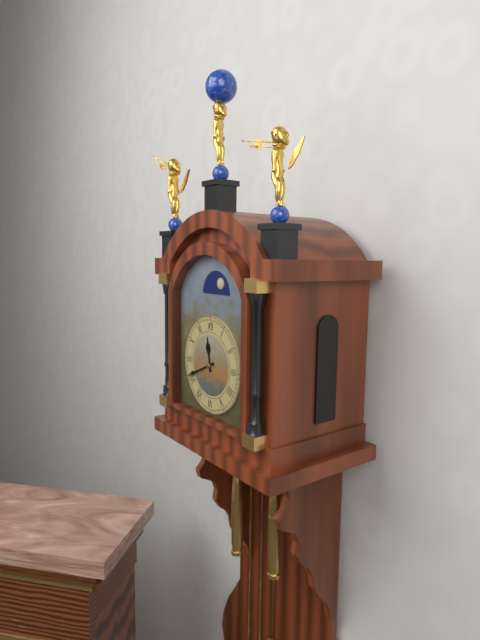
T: **11:41**
